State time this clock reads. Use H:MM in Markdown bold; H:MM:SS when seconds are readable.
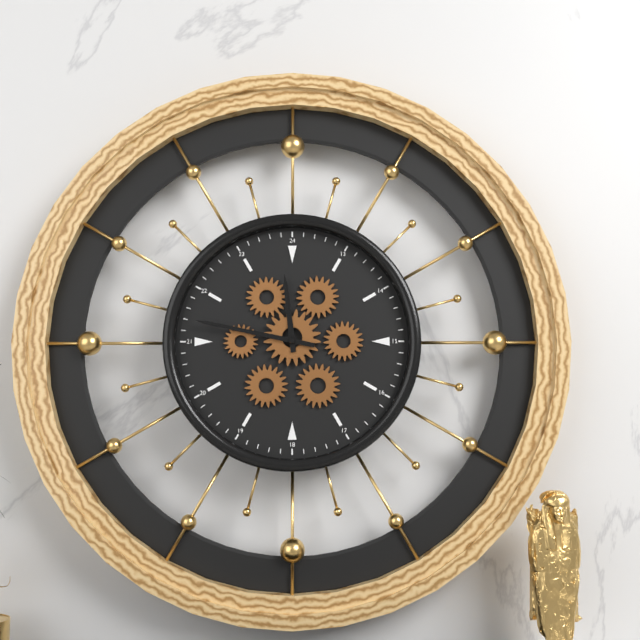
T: **11:47**
